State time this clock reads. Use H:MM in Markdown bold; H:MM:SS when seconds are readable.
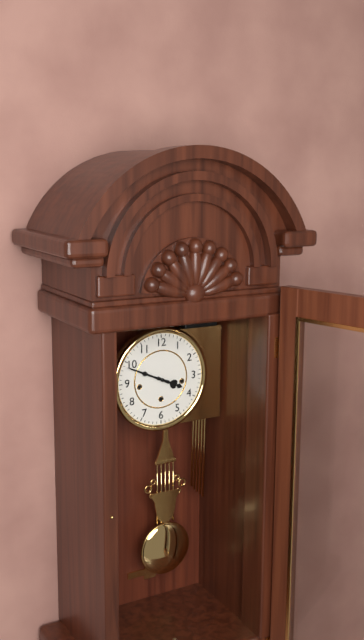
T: **3:49**
